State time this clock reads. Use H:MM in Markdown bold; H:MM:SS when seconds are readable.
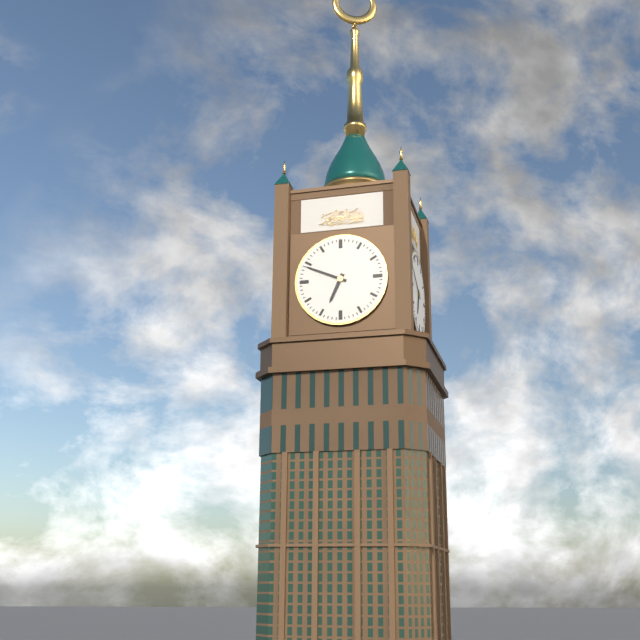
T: **6:49**
